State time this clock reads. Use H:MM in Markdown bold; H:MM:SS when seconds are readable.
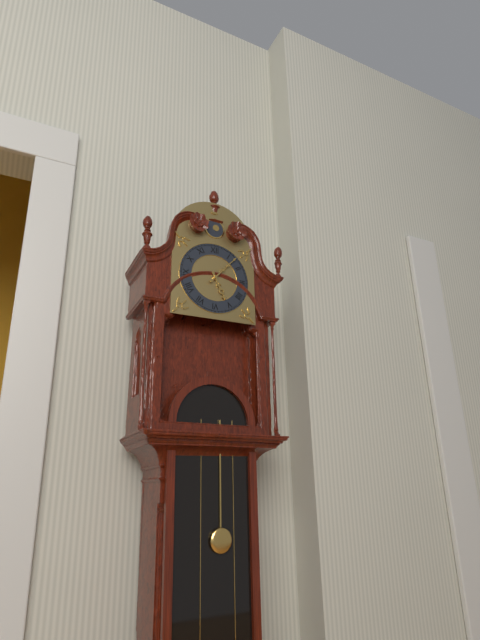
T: **5:07**
